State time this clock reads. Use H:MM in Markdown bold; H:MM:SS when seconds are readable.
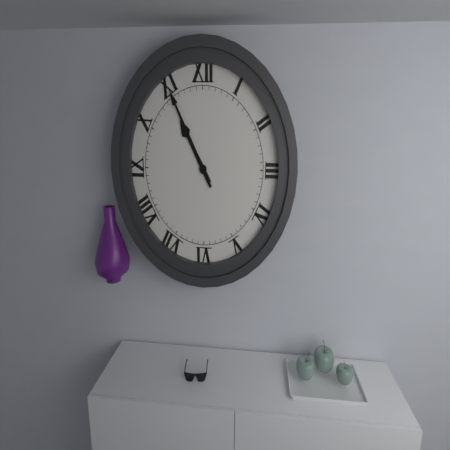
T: **10:55**
